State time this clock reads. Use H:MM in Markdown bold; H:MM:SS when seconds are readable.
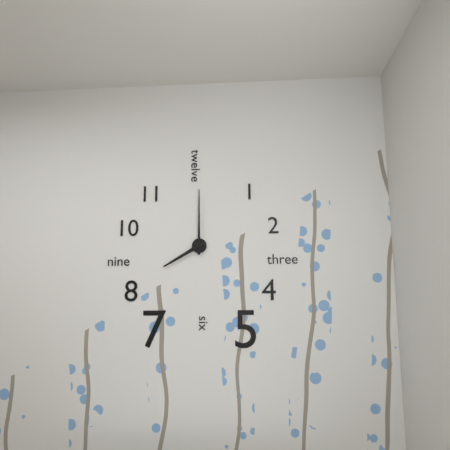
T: **8:00**
